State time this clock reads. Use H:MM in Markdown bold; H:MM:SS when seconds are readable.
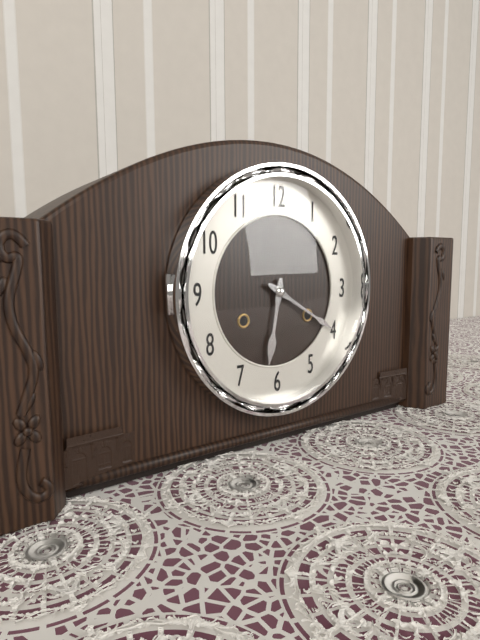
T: **6:20**
